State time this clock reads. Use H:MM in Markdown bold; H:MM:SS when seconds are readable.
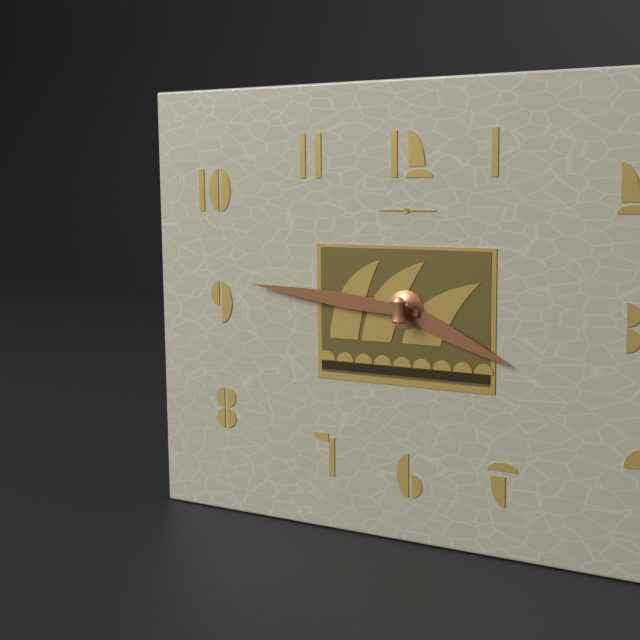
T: **3:46**
